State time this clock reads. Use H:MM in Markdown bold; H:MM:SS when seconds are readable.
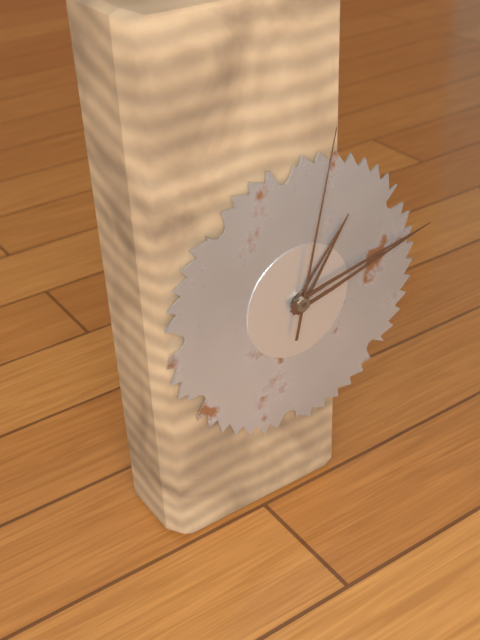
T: **1:13:02**
